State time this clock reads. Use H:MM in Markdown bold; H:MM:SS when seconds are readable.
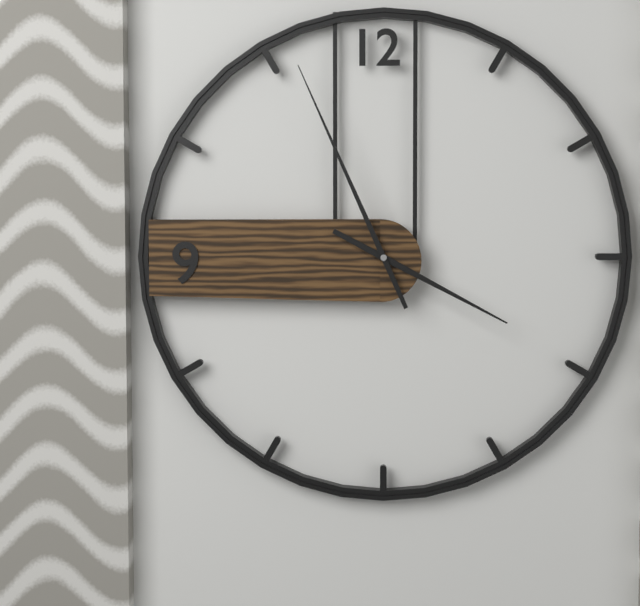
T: **3:56**
